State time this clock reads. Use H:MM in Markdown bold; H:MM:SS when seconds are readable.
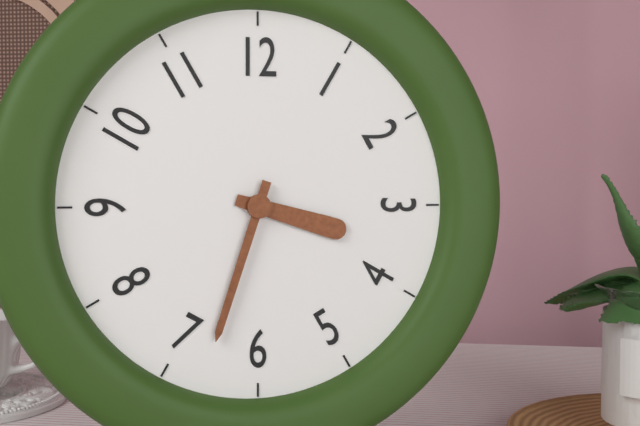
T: **3:33**
